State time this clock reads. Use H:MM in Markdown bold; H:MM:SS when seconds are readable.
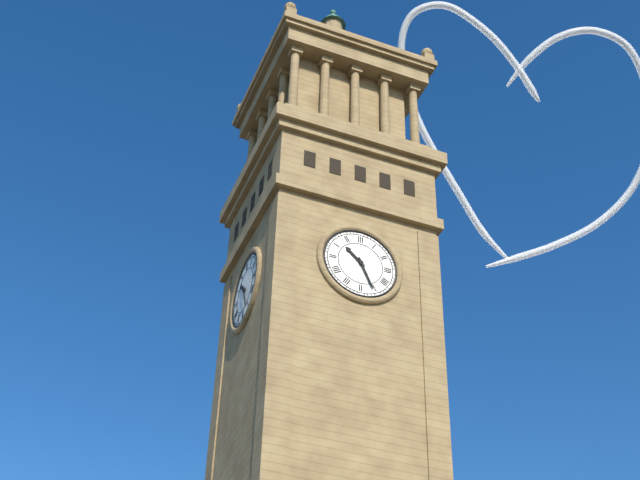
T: **10:26**
